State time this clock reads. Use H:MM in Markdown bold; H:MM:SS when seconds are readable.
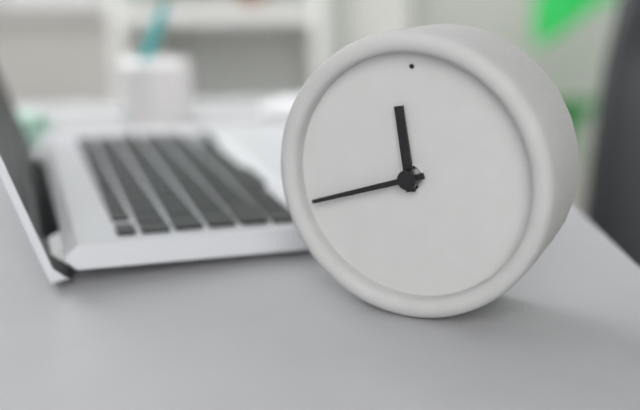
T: **11:42**
